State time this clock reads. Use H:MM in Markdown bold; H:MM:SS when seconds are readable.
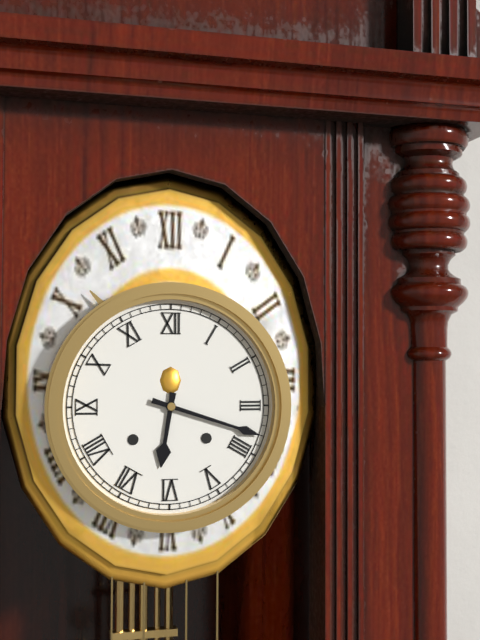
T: **6:18**
